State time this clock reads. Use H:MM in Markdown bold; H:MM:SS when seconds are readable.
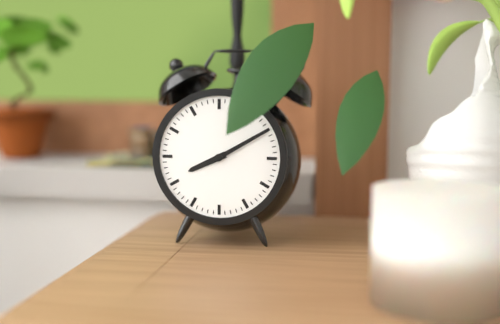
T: **8:10**
